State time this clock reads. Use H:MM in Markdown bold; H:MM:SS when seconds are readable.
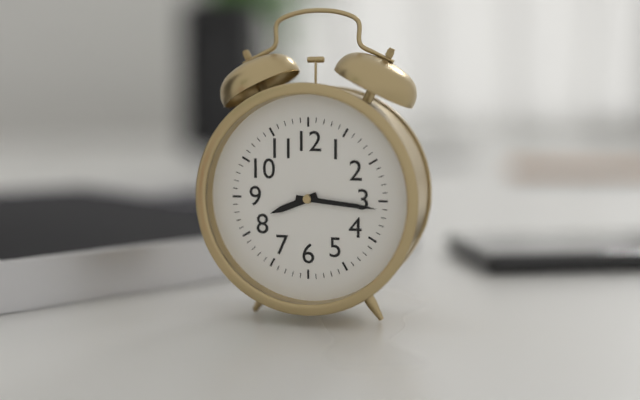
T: **8:16**
